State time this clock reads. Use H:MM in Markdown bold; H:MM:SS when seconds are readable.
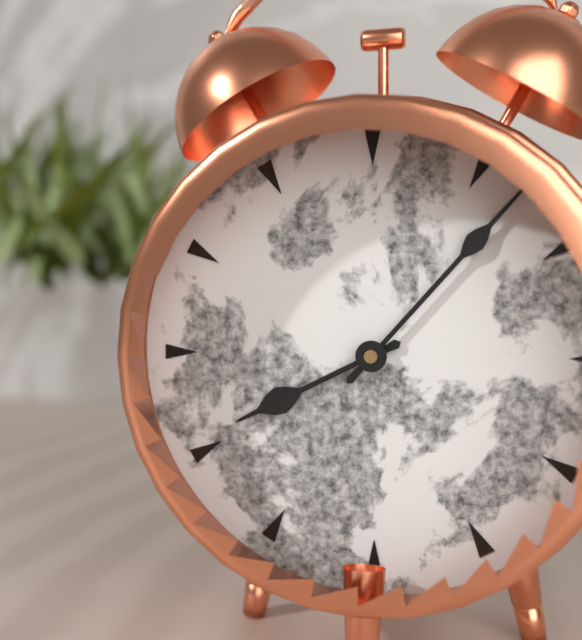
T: **8:07**
